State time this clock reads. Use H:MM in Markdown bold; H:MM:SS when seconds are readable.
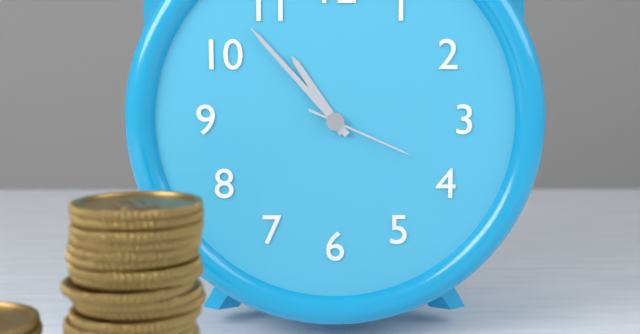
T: **10:53:19**
